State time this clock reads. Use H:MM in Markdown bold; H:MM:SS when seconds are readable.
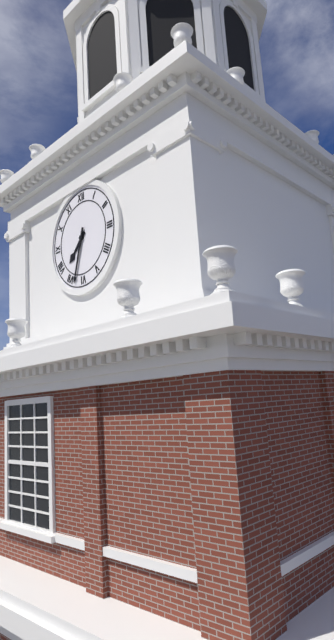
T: **7:33**
